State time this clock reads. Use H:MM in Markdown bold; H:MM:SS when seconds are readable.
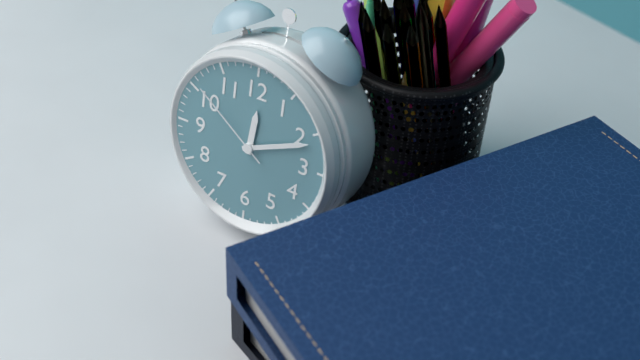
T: **12:11:51**
